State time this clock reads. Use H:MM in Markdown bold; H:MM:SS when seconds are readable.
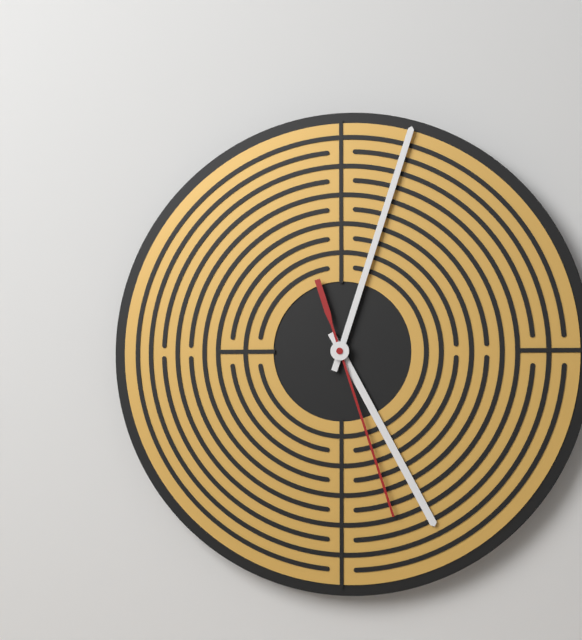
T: **5:03:27**
